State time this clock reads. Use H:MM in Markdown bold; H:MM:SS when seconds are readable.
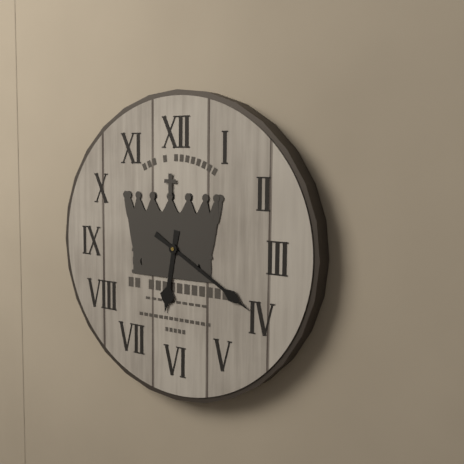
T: **6:20**
